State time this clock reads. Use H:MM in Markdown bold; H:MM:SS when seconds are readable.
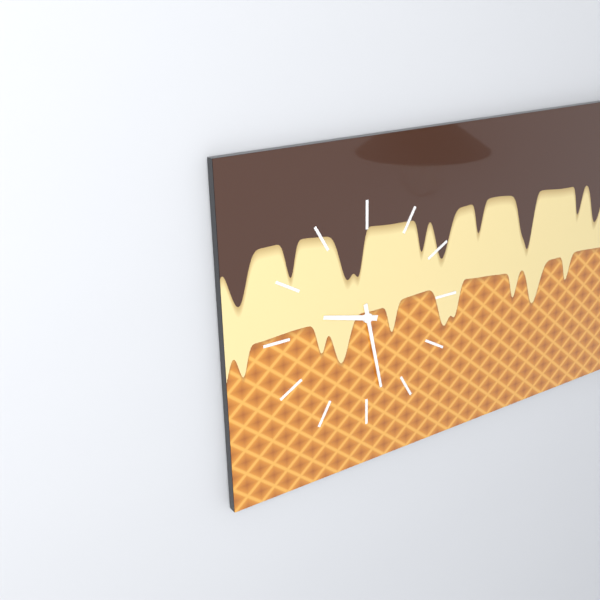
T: **9:28**
